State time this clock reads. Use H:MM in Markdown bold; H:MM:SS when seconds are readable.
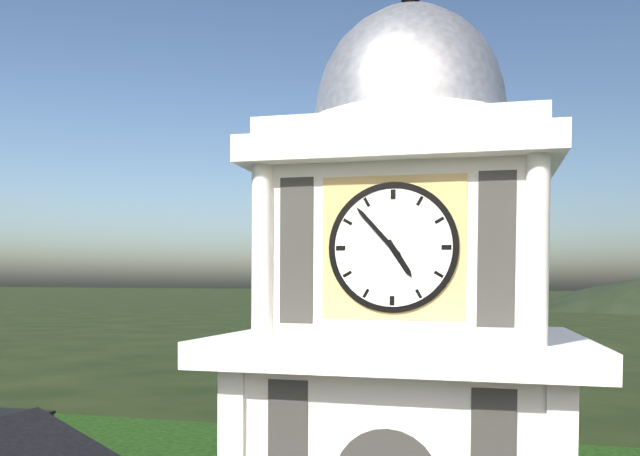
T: **4:53**
